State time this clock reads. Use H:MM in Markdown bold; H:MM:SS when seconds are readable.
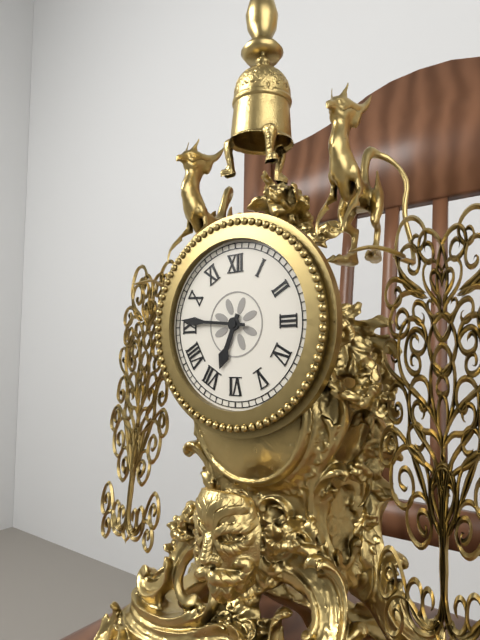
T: **6:46**
